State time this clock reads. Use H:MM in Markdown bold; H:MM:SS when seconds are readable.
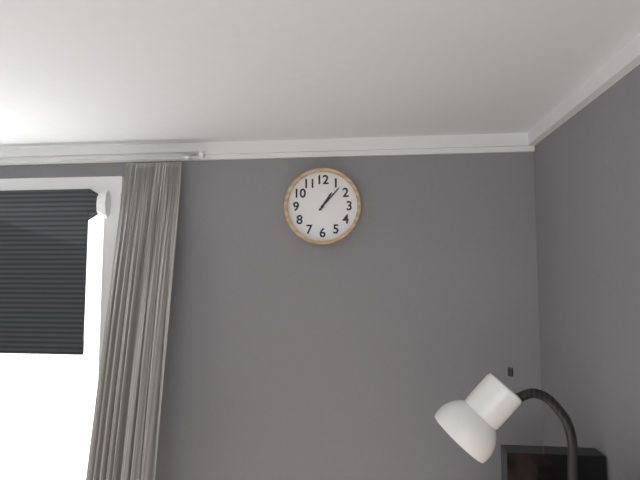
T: **1:07**
